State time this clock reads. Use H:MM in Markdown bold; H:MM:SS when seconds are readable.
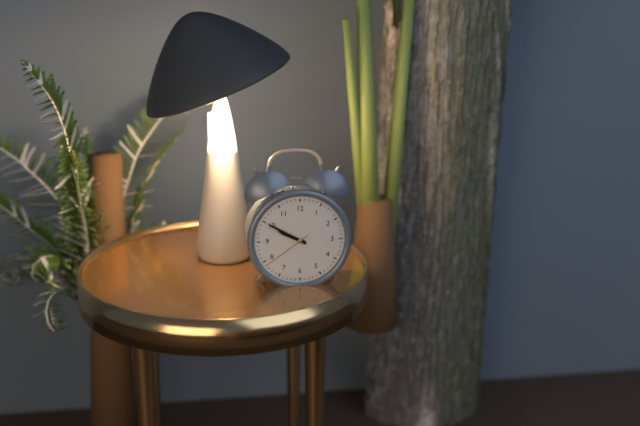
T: **9:50:39**
